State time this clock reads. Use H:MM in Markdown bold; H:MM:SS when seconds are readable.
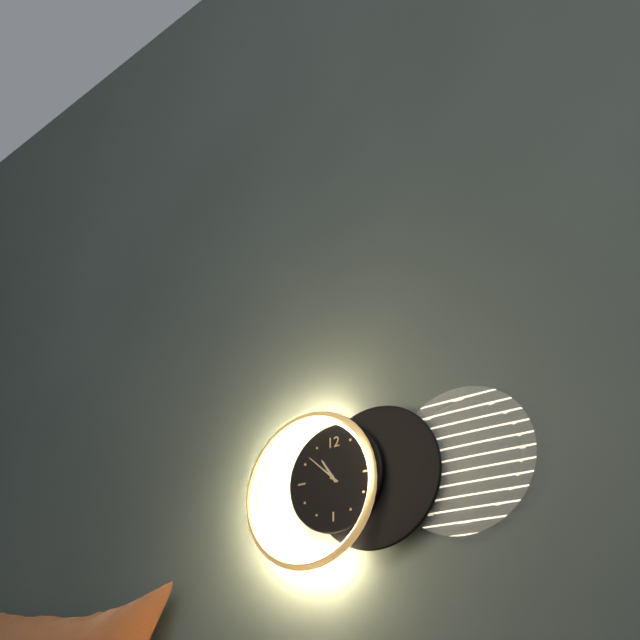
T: **10:52**
